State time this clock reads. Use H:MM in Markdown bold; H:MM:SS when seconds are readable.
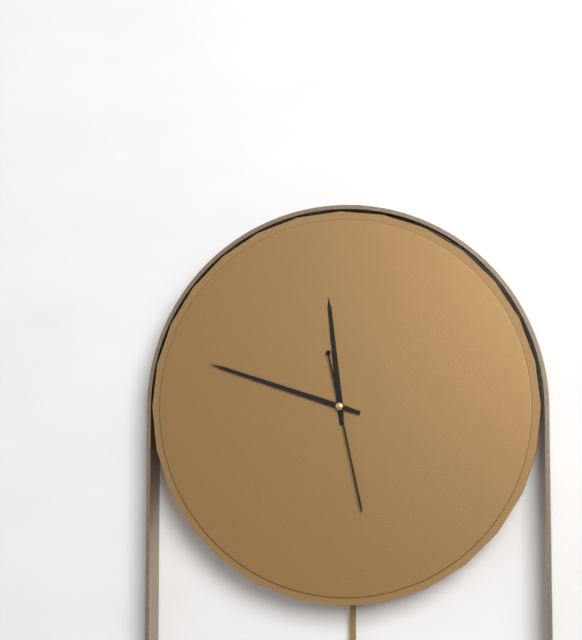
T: **11:48:28**
